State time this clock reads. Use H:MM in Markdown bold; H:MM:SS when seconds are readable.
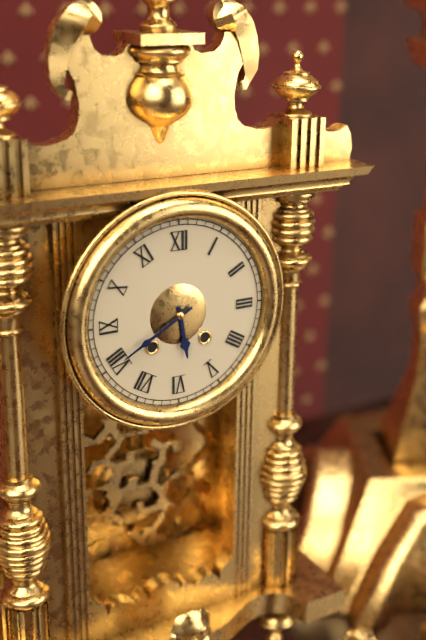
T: **5:40**
